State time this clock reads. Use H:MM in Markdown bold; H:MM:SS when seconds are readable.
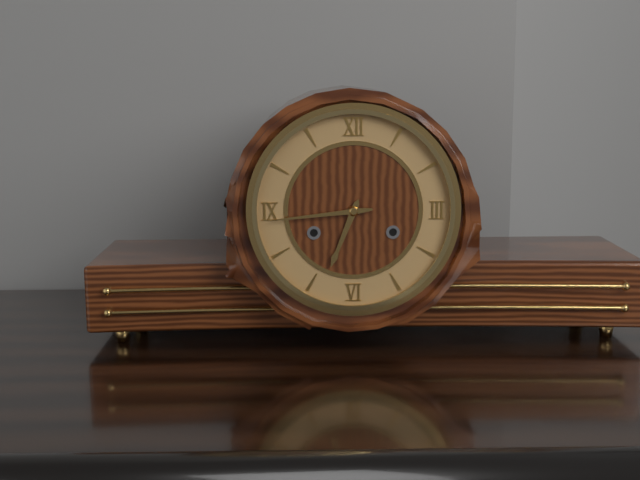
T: **6:44**
